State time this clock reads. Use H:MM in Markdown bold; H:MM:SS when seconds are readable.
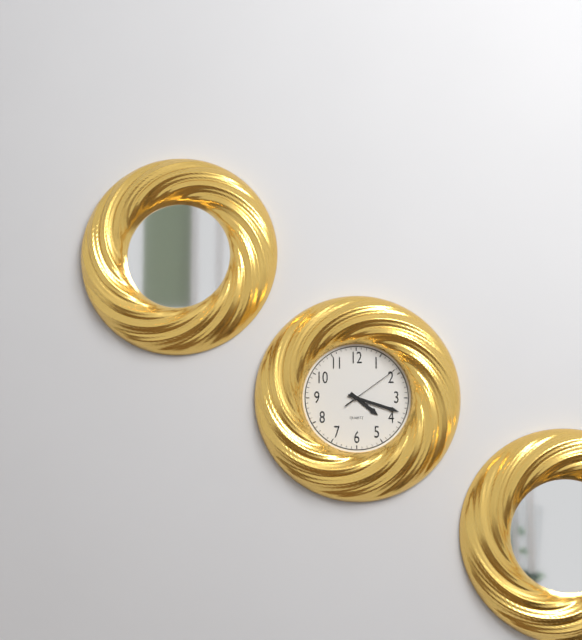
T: **4:18:09**
